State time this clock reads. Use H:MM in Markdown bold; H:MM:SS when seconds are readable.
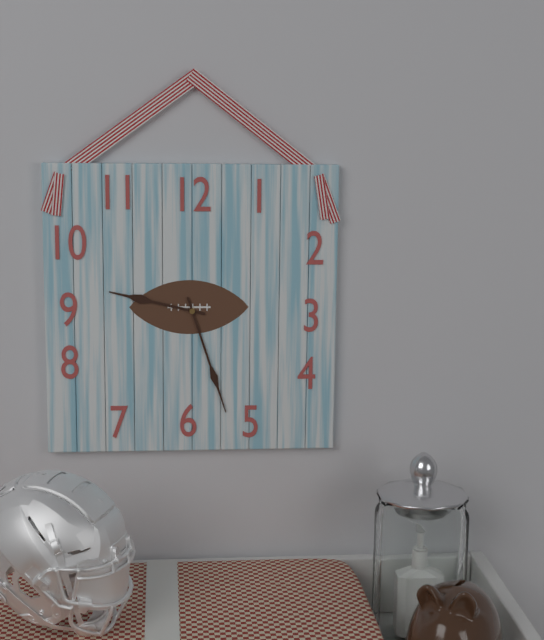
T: **9:27**
